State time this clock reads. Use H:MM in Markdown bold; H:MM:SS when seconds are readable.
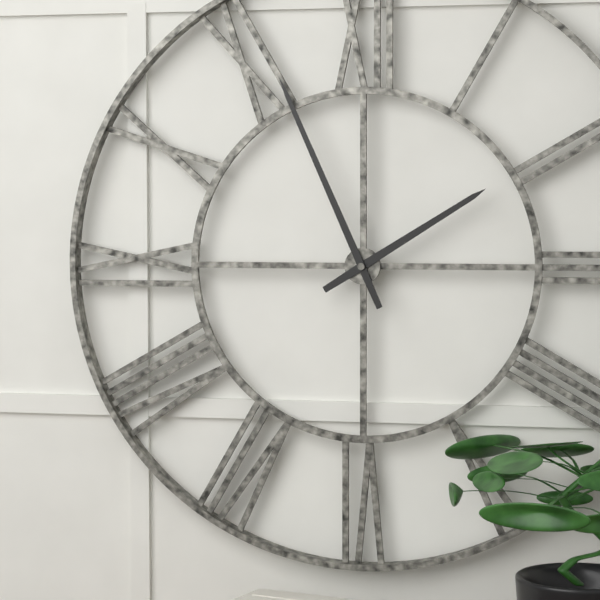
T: **1:56**
